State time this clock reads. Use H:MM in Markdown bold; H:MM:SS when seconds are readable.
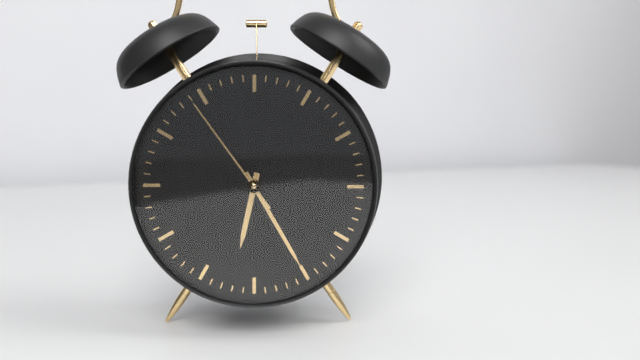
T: **6:25:54**
